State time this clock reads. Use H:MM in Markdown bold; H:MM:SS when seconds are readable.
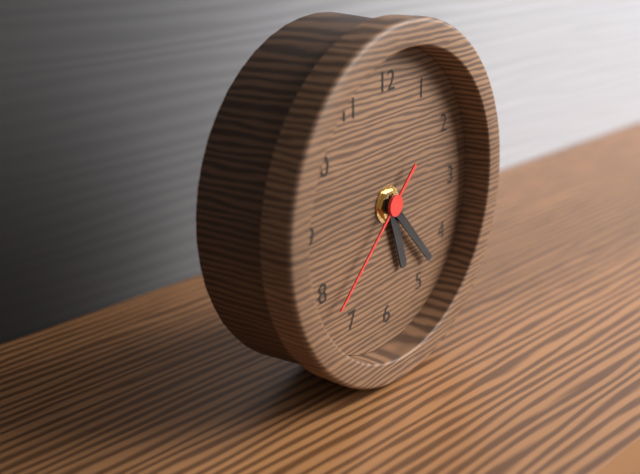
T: **5:23:38**
